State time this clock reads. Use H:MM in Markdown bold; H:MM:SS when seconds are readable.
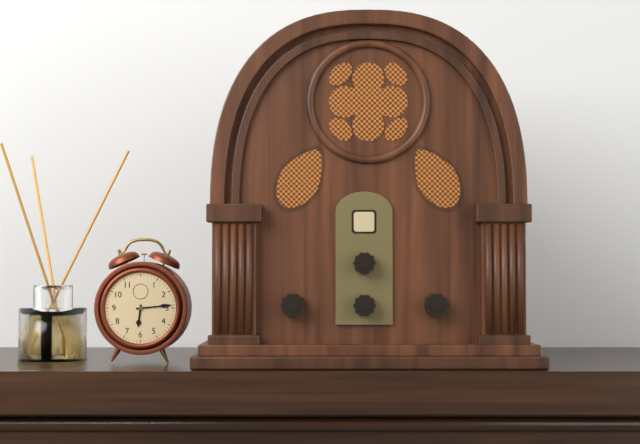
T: **6:14**
